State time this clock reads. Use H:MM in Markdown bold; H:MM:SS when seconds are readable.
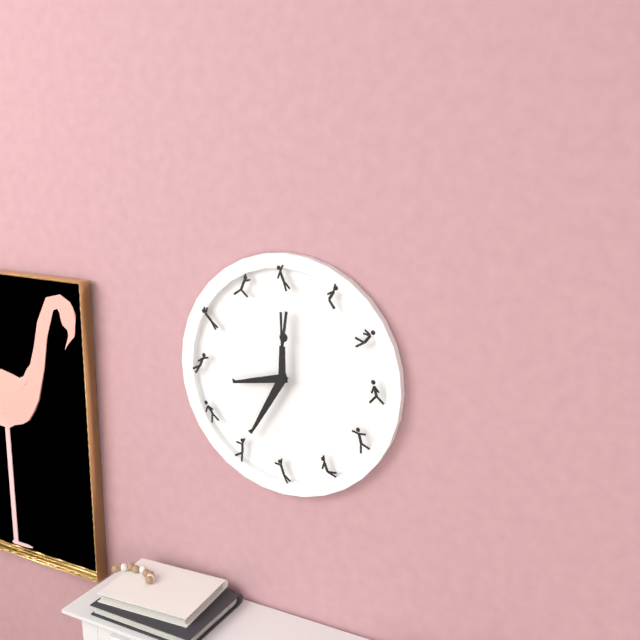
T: **8:35**
